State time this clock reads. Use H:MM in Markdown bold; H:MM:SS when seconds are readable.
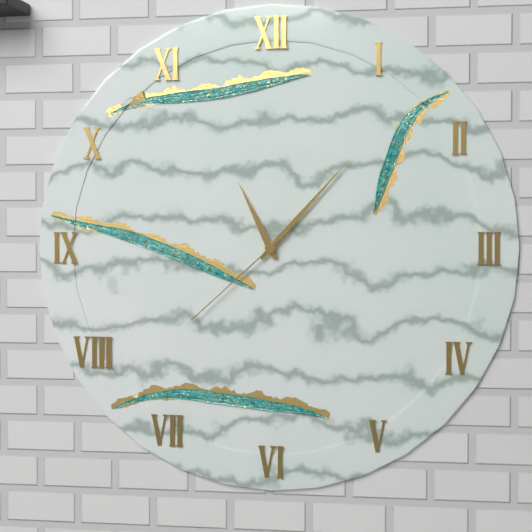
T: **11:07:38**
